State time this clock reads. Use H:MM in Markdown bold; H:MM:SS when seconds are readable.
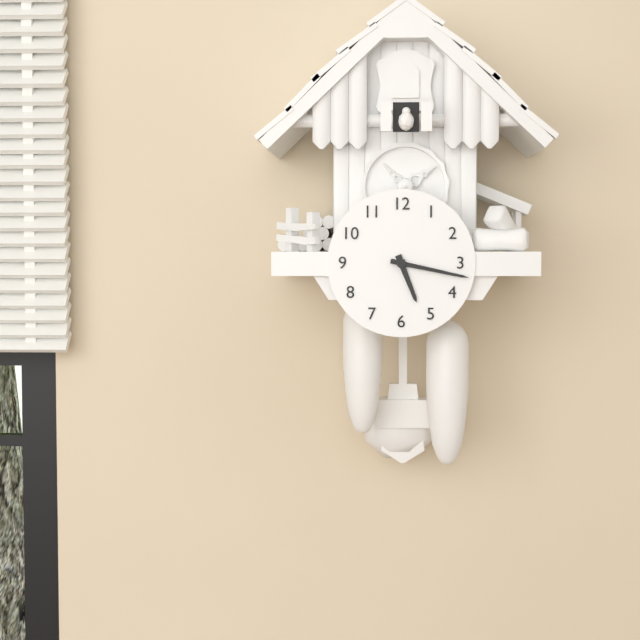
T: **5:17**
